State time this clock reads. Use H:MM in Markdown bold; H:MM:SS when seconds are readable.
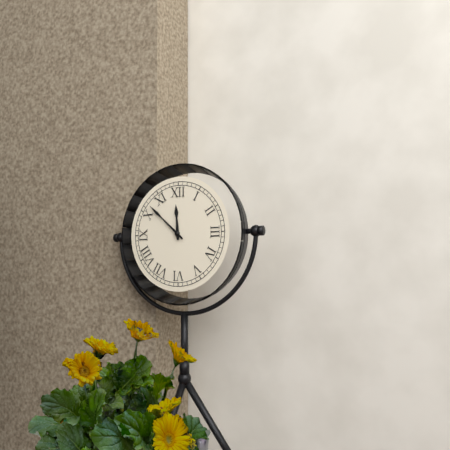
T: **11:52**
